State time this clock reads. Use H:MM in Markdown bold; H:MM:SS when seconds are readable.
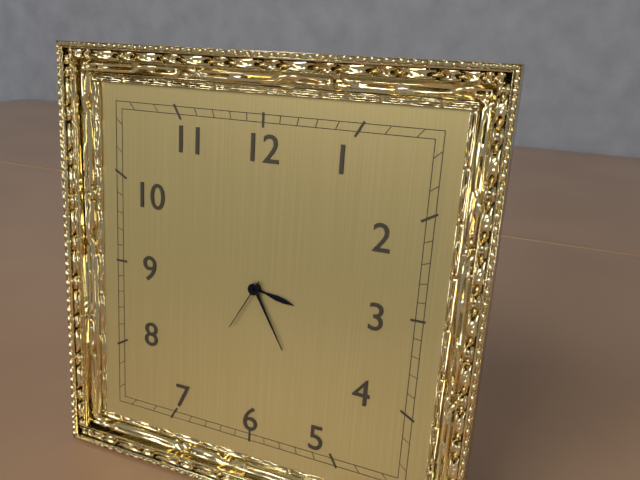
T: **3:25:35**
